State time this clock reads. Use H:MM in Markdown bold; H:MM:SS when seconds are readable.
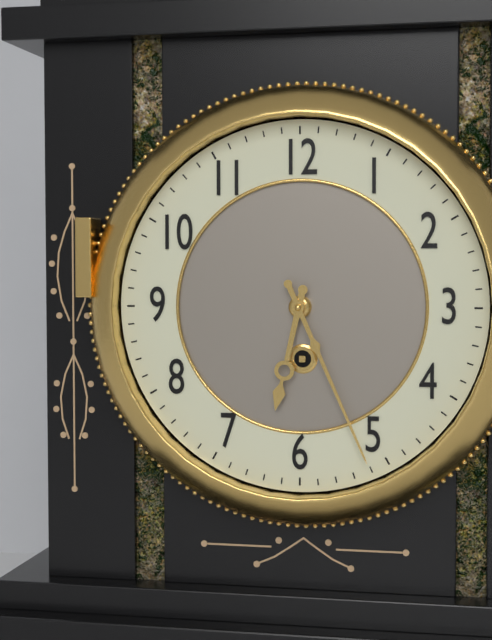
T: **6:26**
